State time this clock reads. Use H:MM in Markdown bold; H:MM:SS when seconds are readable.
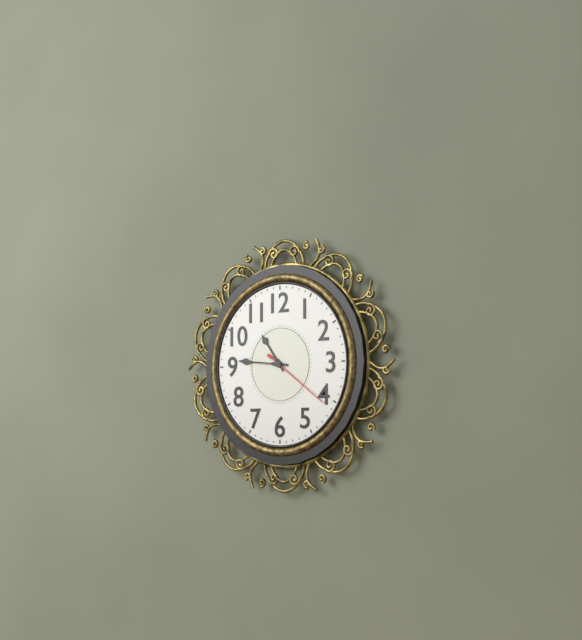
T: **10:46:21**
